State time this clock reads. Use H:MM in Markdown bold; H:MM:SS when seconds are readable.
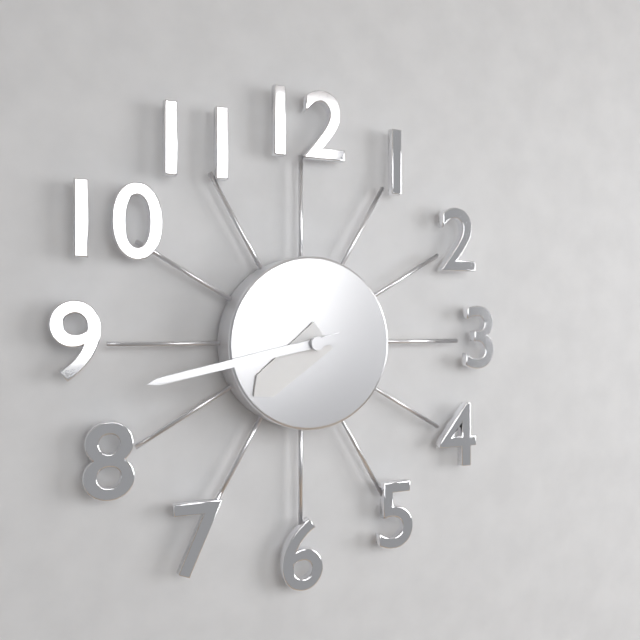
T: **7:43**
